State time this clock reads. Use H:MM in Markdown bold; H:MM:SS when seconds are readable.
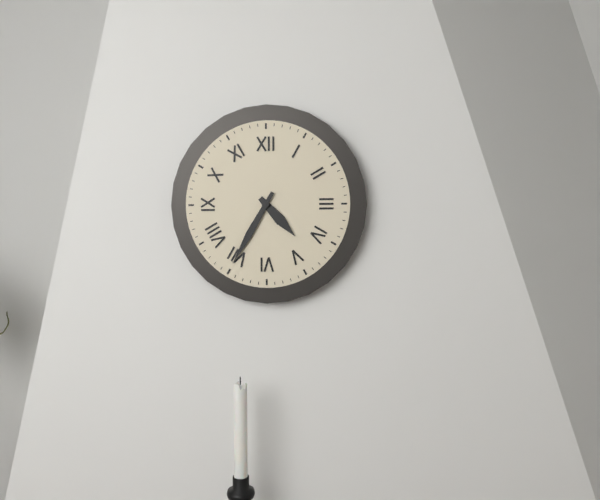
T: **4:35**
